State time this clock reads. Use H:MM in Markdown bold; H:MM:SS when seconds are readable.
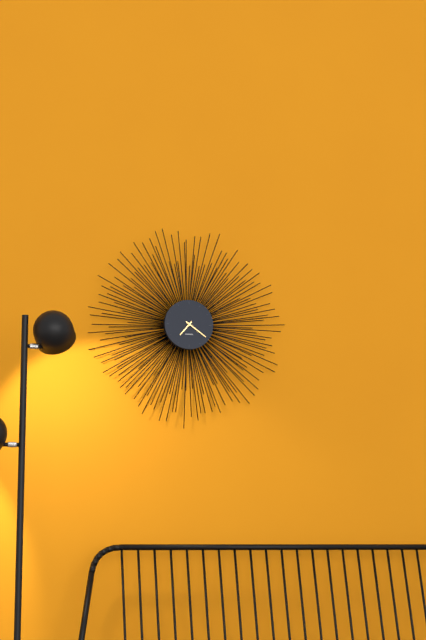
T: **7:21**
